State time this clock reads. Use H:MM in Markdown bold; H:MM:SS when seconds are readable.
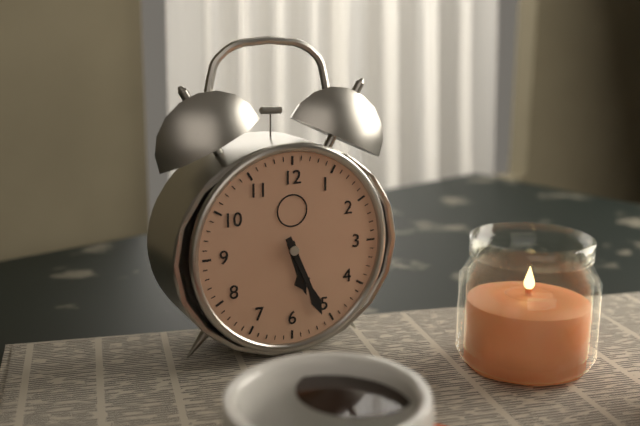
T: **5:26**
